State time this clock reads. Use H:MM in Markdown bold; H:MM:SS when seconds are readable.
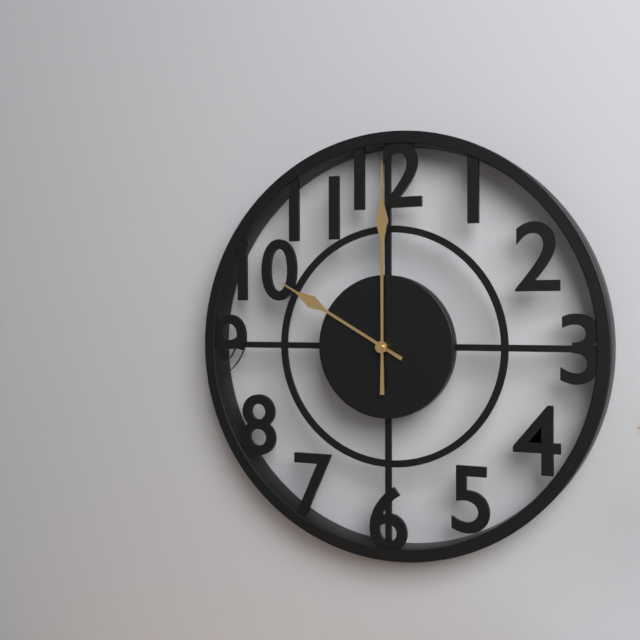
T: **10:00**
